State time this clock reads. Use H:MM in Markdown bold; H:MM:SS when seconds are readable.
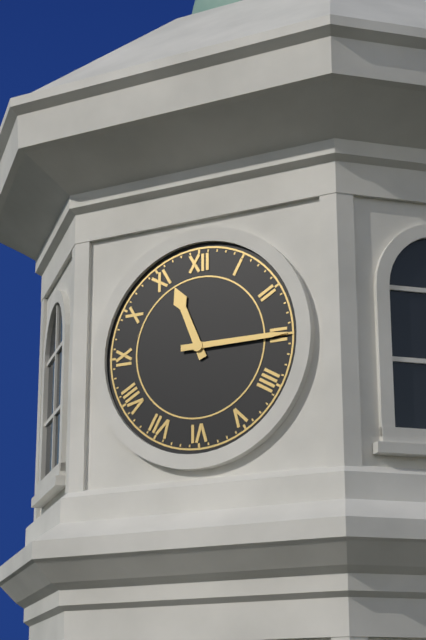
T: **11:15**
